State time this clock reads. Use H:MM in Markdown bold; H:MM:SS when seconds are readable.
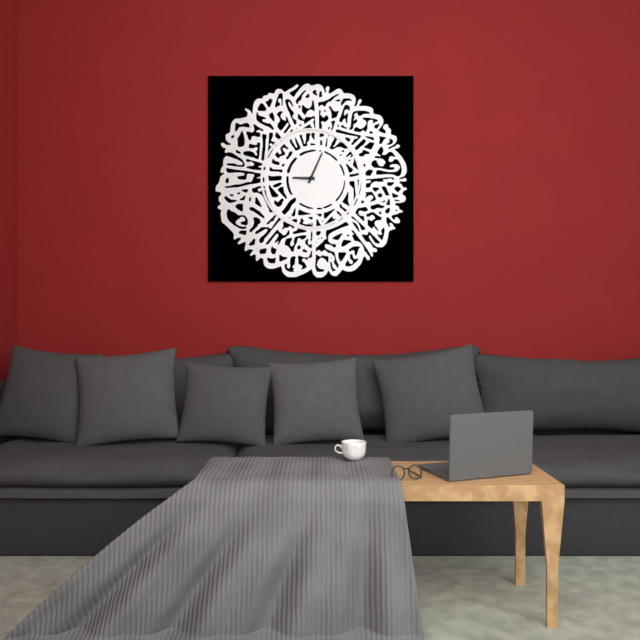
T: **9:04**
